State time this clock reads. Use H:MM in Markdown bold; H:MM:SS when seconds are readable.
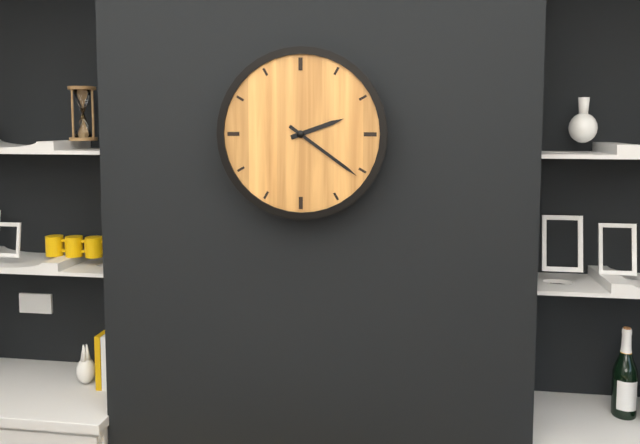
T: **2:21**
